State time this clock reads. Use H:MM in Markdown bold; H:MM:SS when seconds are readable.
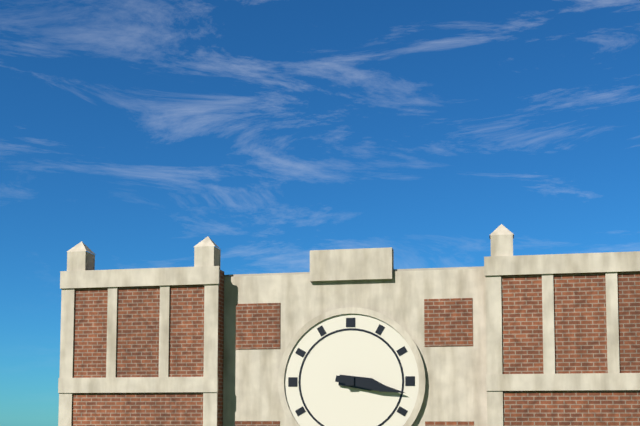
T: **3:17**
